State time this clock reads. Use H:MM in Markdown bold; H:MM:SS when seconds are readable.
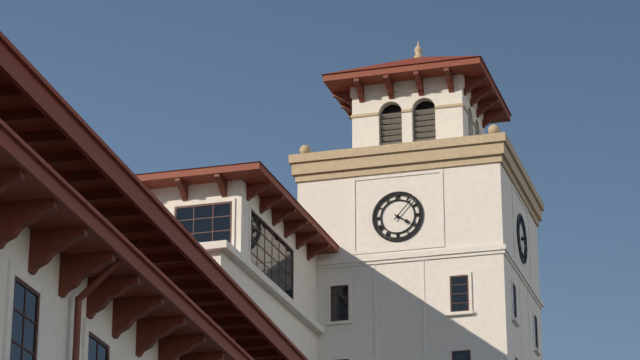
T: **4:07**
